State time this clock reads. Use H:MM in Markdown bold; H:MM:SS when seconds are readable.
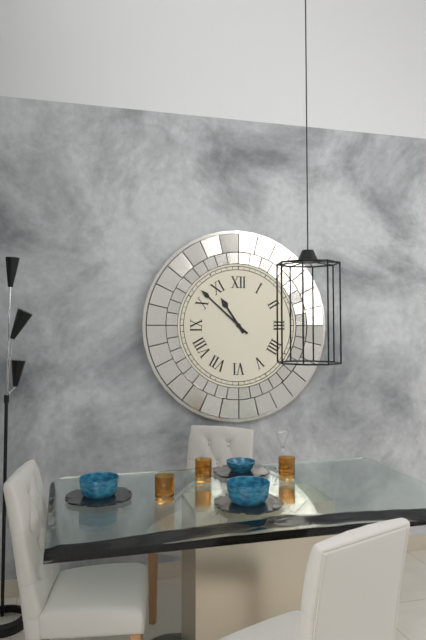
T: **10:52**
